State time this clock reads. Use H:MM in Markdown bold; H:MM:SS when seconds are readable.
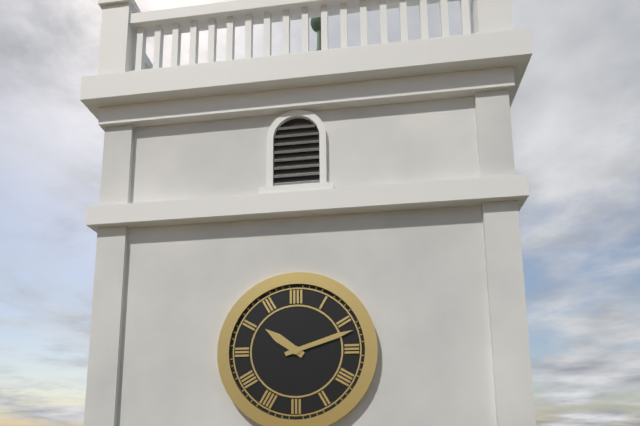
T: **10:12**
